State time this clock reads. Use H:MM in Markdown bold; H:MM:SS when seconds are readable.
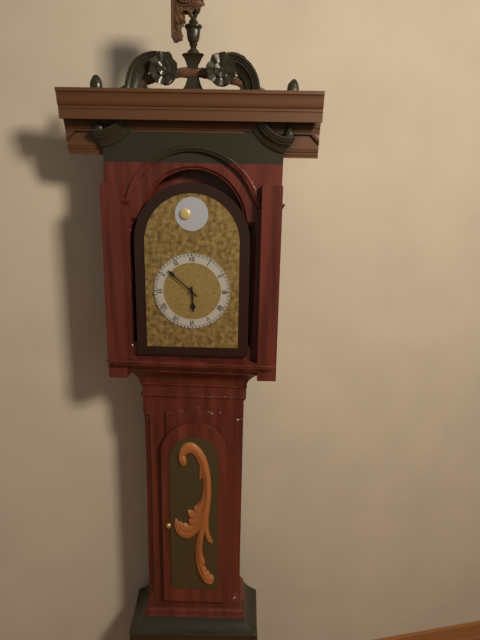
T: **5:52**
